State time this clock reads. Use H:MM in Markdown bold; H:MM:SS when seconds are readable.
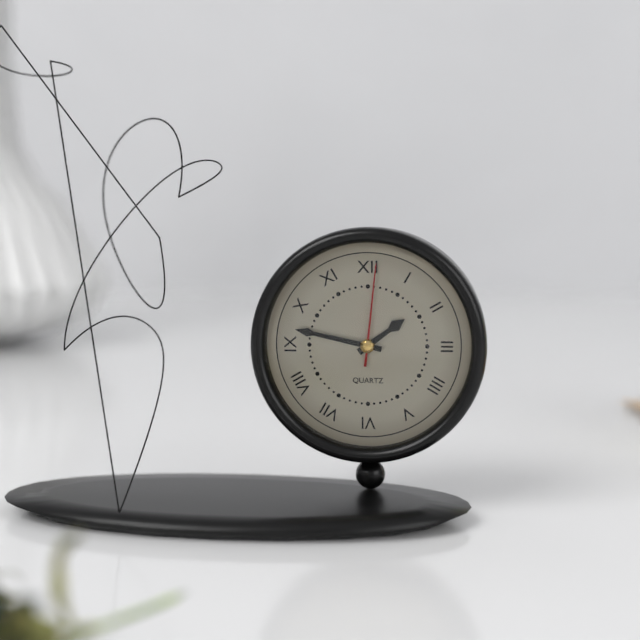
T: **1:47:01**
